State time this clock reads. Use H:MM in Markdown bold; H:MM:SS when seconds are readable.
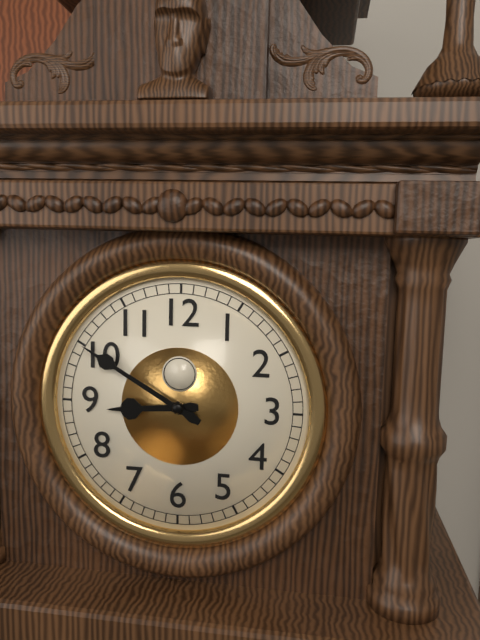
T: **8:50**
